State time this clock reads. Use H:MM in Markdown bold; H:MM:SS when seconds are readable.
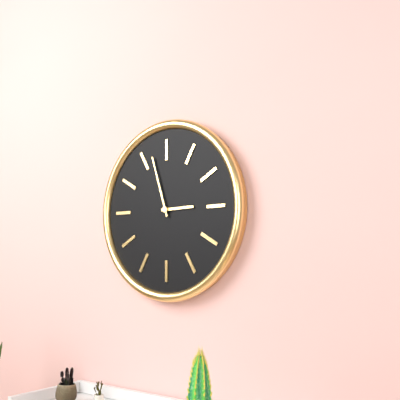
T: **2:57**
